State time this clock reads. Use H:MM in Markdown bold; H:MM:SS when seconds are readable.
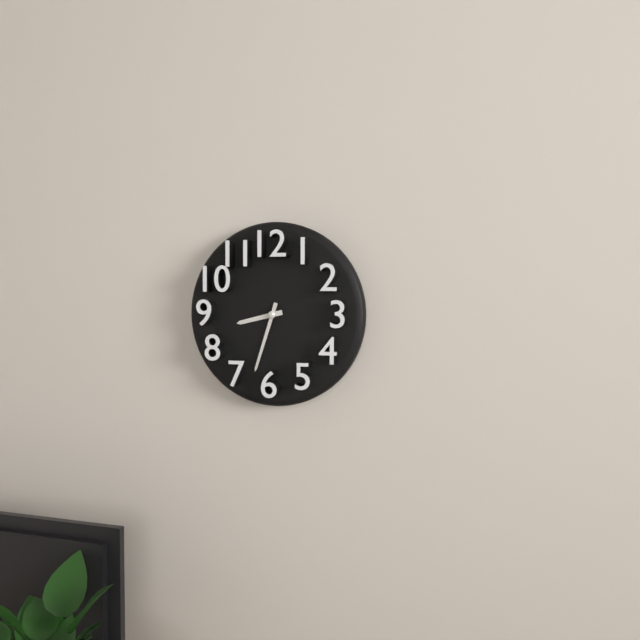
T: **8:33**
